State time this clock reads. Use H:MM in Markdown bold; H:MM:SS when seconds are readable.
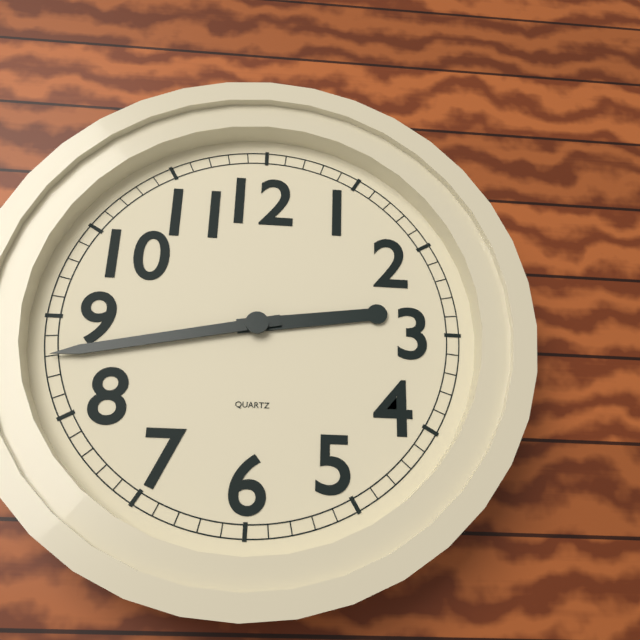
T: **2:43**
